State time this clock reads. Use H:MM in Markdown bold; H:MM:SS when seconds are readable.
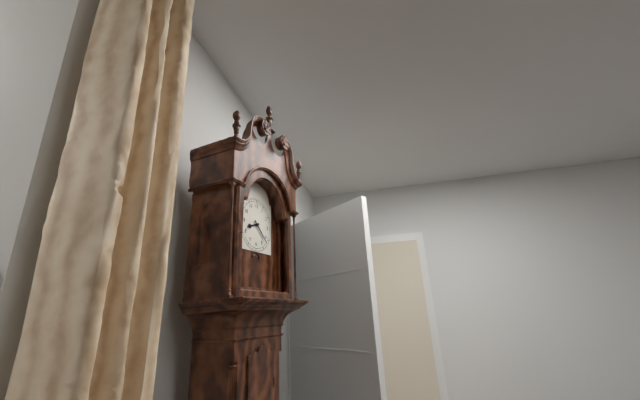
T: **8:22**
